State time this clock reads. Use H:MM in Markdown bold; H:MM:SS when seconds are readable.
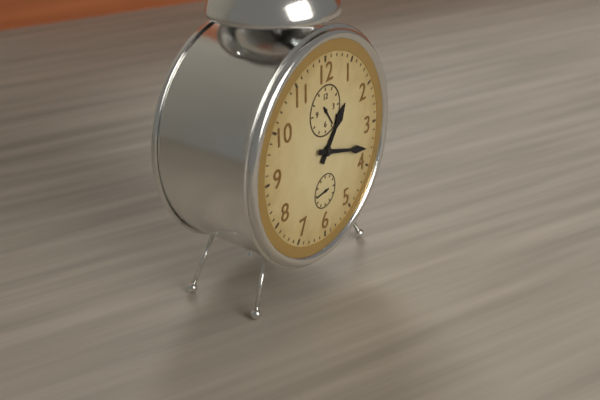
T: **1:18**
